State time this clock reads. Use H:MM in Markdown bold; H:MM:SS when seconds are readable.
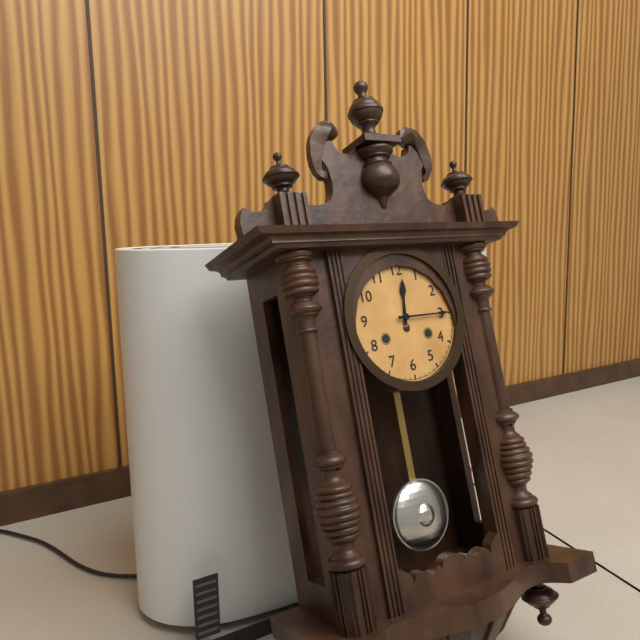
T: **12:15**
